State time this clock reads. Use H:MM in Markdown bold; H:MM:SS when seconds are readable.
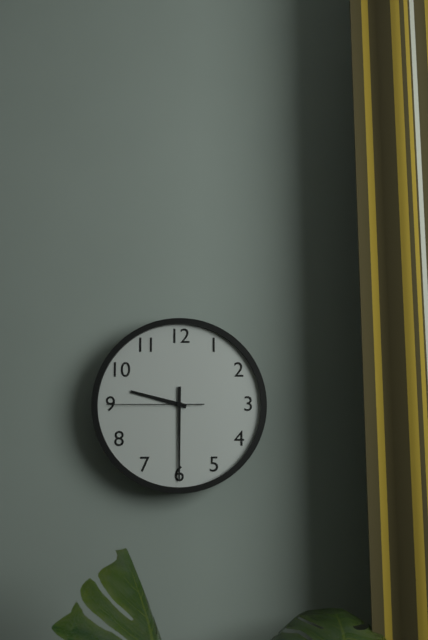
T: **9:30:45**
